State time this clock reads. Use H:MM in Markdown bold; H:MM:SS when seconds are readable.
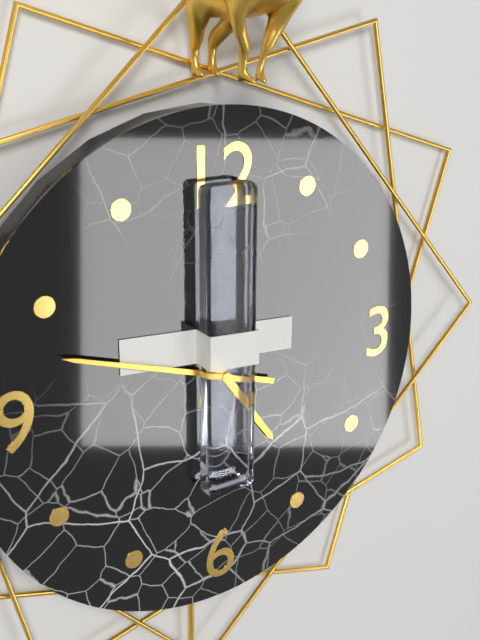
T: **4:48**
